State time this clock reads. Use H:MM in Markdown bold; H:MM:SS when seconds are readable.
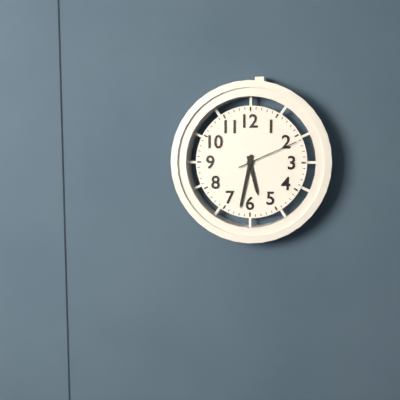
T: **5:32:11**
